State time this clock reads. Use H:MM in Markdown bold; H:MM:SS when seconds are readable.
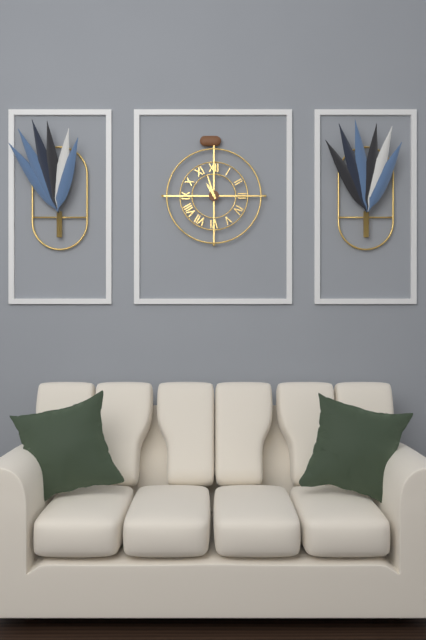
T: **10:57**
